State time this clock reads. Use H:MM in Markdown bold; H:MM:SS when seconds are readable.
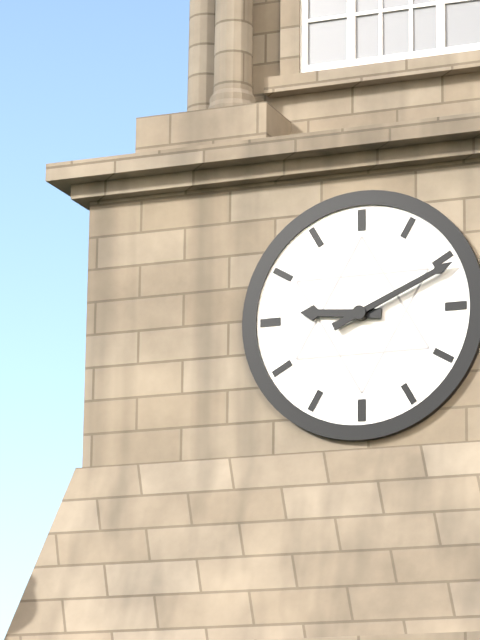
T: **9:11**
